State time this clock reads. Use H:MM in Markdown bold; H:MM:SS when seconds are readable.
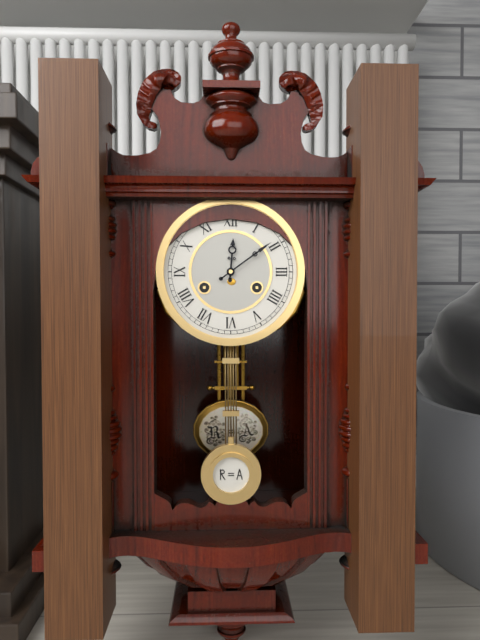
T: **12:09**
